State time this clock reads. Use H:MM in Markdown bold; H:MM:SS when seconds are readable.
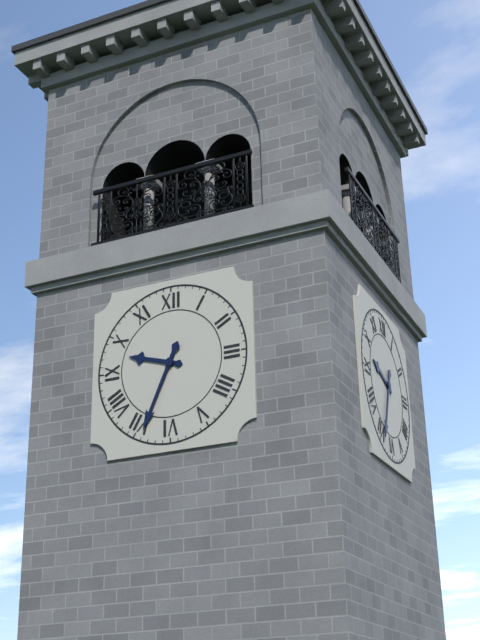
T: **9:34**
